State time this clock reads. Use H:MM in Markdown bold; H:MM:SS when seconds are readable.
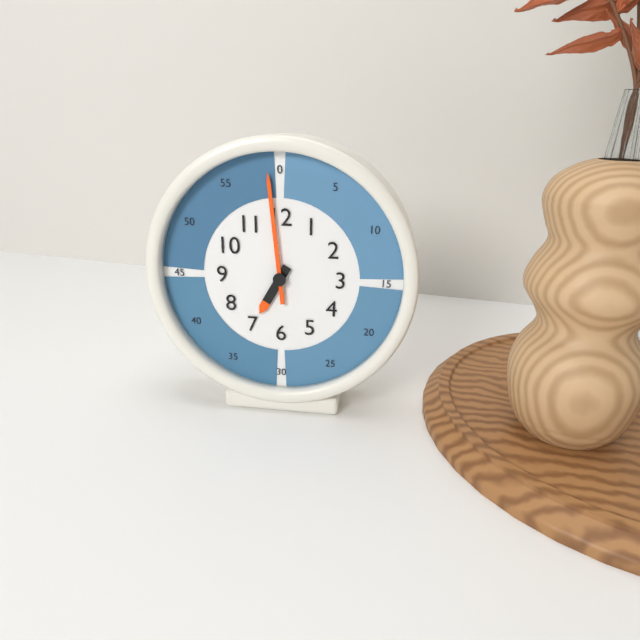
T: **6:59**
